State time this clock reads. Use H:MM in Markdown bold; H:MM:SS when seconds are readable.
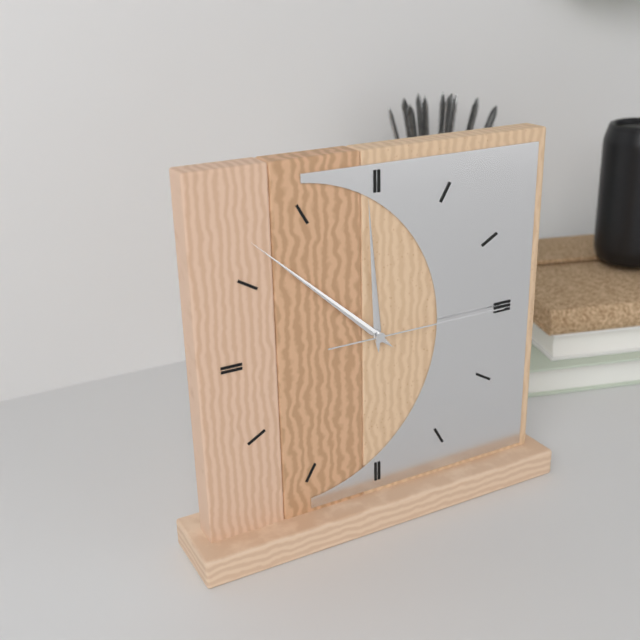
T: **11:52:15**
